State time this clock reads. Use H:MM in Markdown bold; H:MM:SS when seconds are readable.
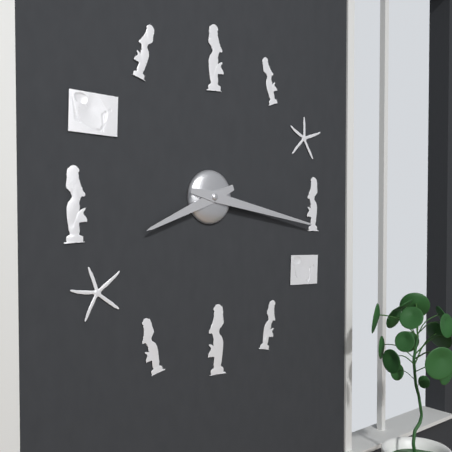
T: **8:17**
